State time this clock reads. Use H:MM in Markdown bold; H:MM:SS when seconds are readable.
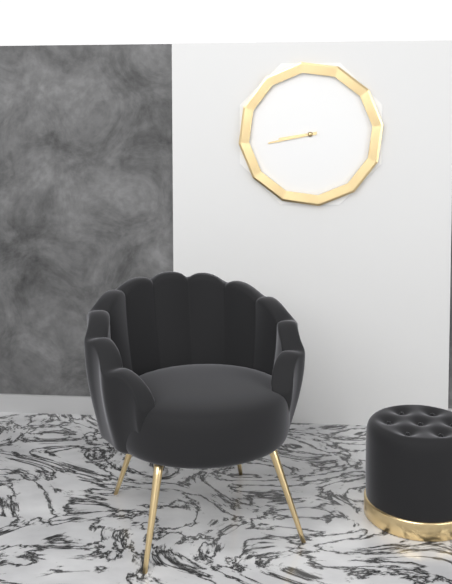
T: **8:43**
